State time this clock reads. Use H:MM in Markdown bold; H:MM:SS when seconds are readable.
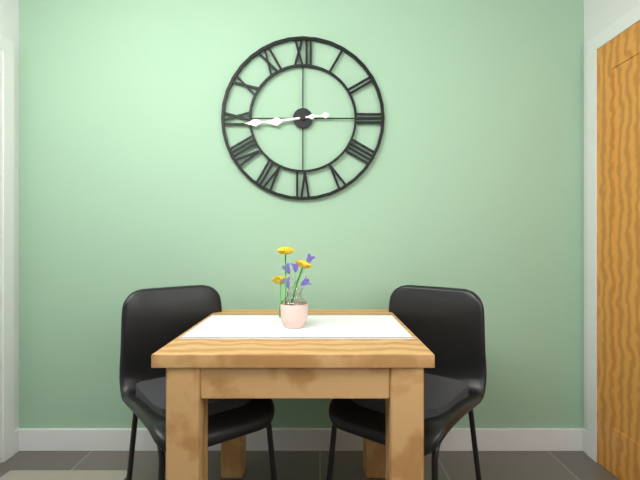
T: **8:44**
